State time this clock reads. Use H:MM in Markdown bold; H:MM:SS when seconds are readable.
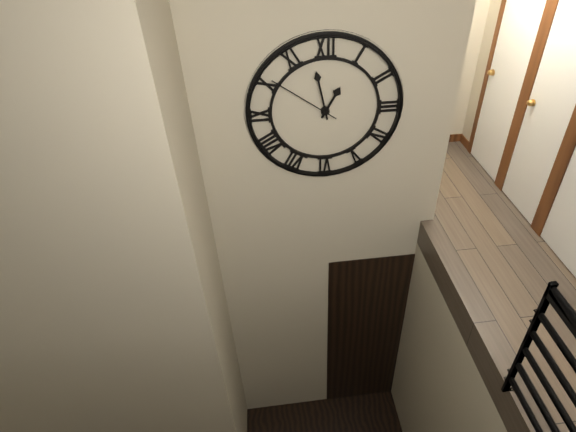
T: **12:58:51**
